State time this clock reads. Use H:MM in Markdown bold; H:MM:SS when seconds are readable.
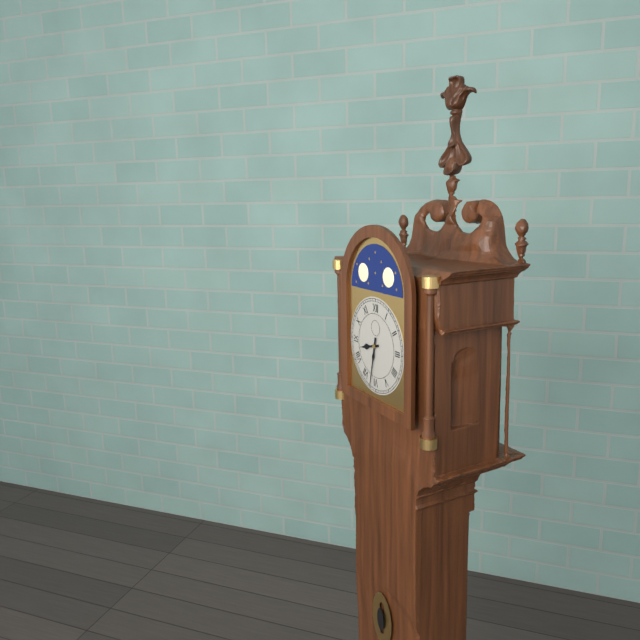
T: **8:32**
